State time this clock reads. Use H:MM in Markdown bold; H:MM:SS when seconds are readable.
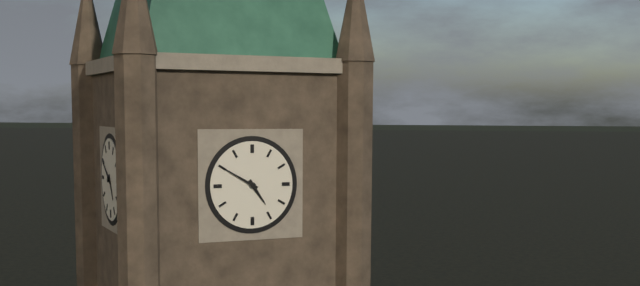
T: **4:50**
